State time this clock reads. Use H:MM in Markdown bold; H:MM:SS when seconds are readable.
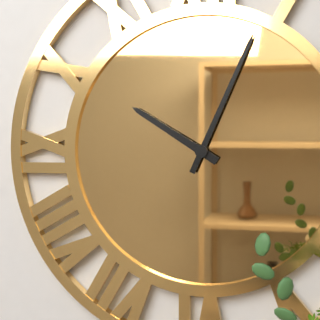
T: **10:04**
